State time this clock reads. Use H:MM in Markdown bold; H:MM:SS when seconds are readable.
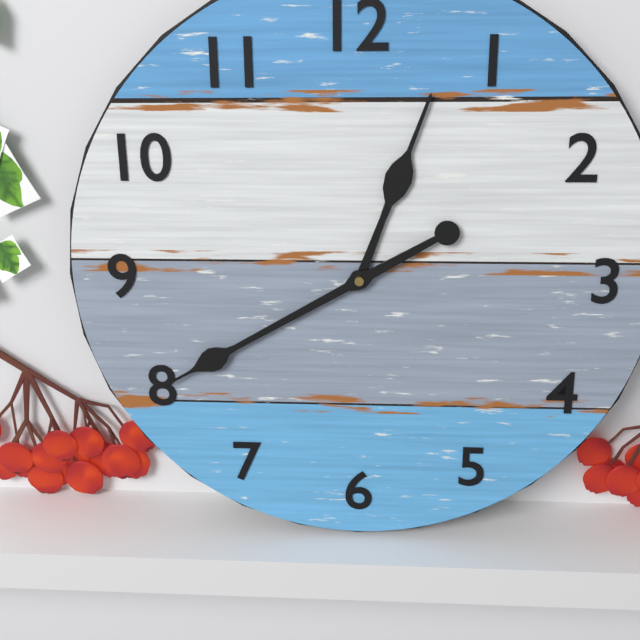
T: **12:40**
